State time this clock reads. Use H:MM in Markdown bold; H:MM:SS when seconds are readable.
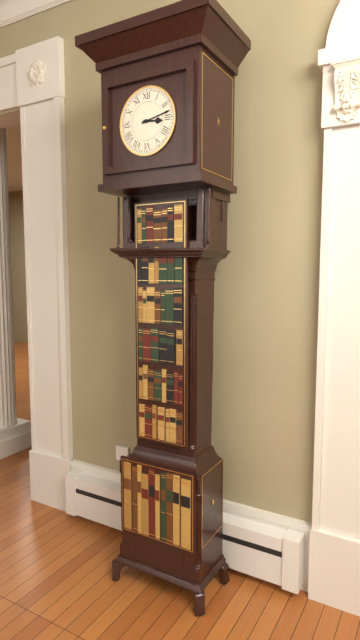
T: **3:13**
